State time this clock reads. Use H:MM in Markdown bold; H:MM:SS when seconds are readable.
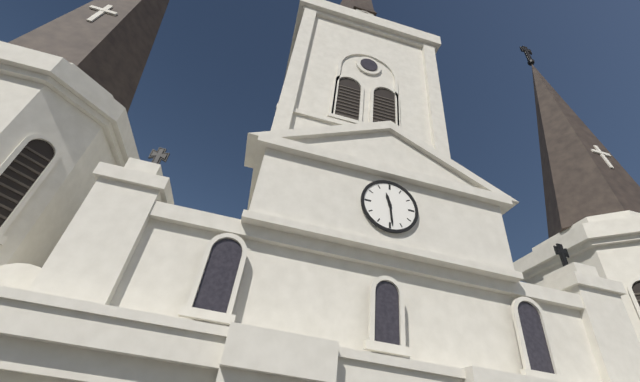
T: **11:29**
